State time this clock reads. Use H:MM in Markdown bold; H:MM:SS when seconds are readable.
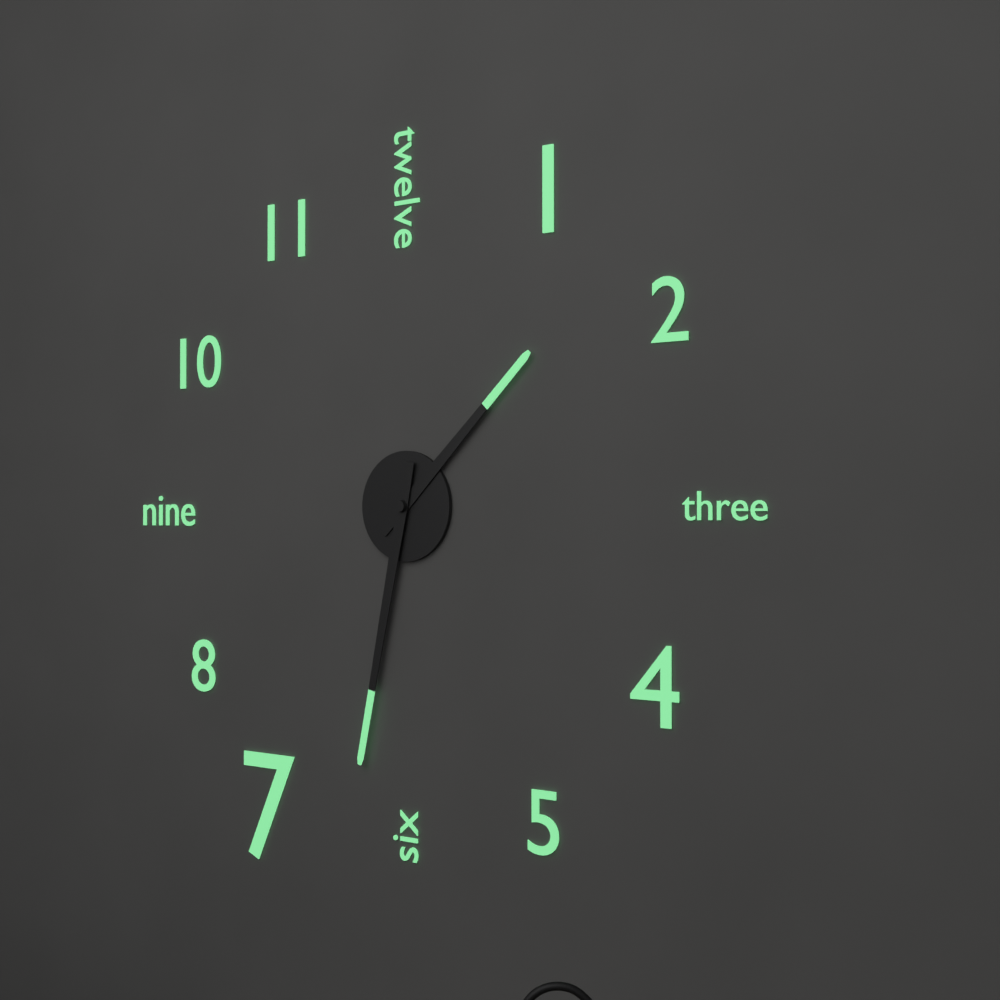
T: **1:32**
